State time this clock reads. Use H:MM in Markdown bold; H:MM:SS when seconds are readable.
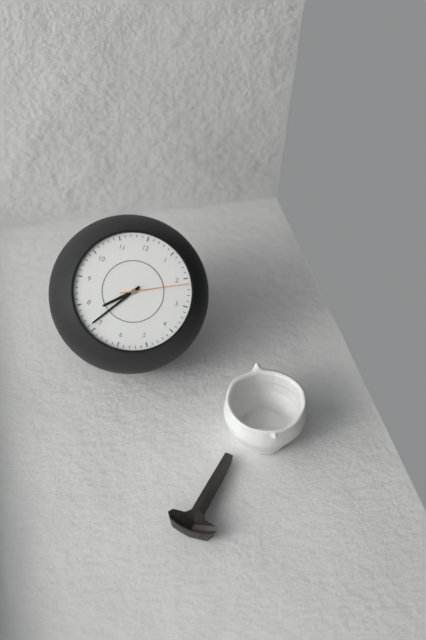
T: **7:36:11**
